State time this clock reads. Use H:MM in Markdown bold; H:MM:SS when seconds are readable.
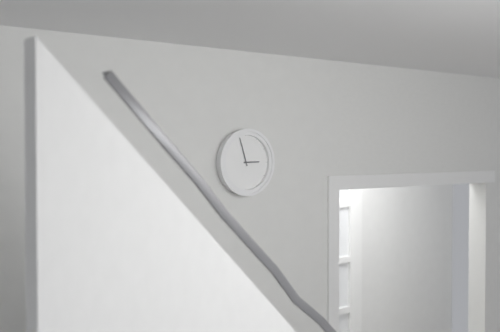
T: **2:57**
